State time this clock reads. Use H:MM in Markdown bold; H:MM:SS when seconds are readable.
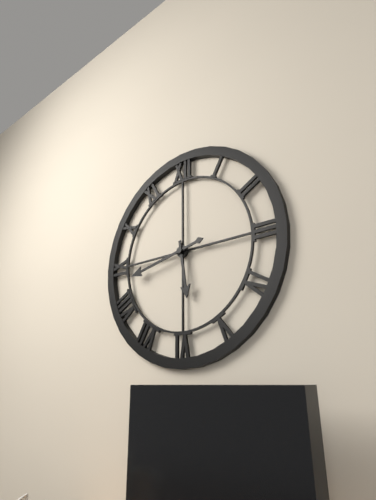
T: **5:43**
